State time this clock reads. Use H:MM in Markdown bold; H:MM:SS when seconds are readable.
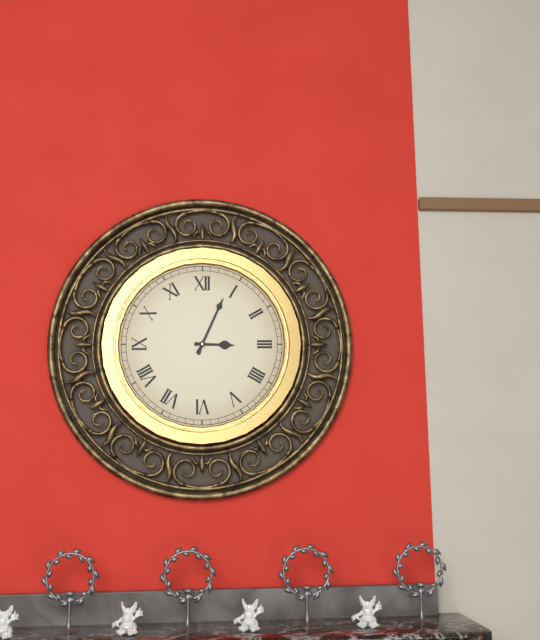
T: **3:04**
